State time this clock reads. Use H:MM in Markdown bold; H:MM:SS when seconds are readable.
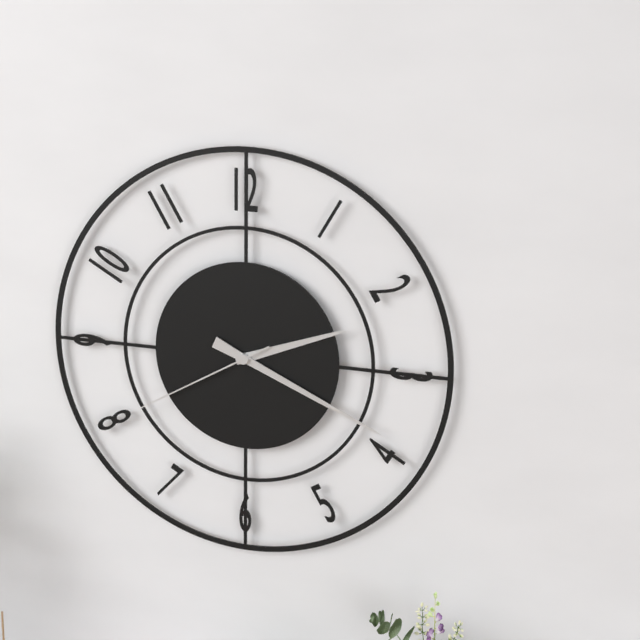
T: **2:19:40**
